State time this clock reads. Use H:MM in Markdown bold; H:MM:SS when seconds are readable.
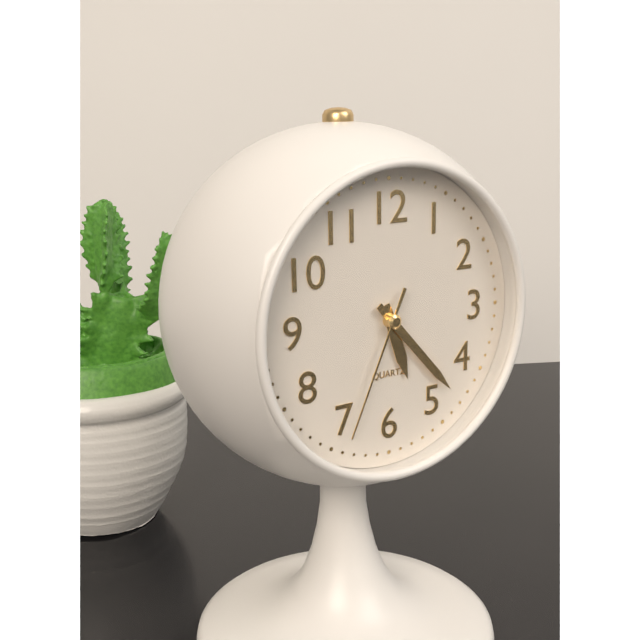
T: **5:23:34**
